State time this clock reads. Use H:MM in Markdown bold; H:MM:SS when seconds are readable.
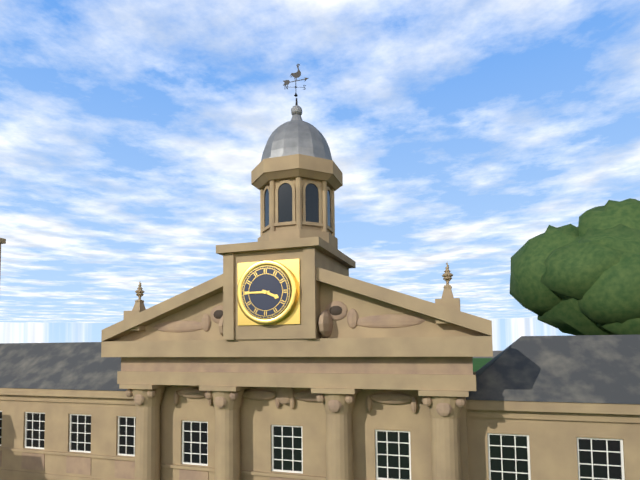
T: **3:45**
